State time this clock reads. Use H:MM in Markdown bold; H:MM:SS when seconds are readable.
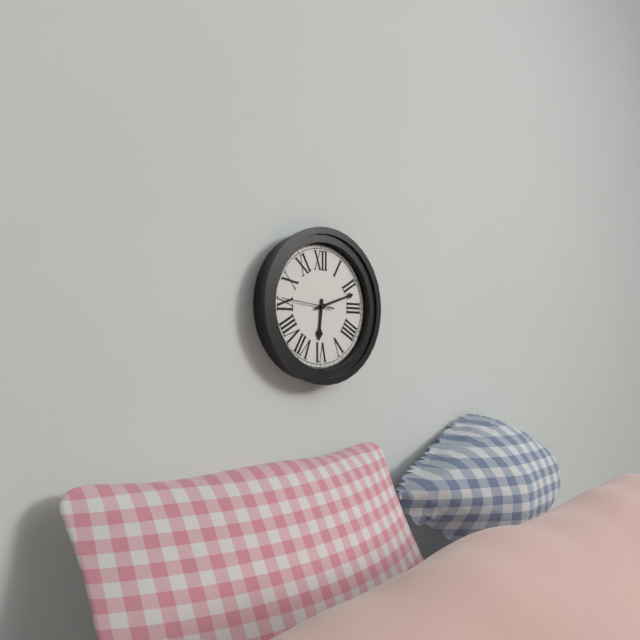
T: **6:12:46**
